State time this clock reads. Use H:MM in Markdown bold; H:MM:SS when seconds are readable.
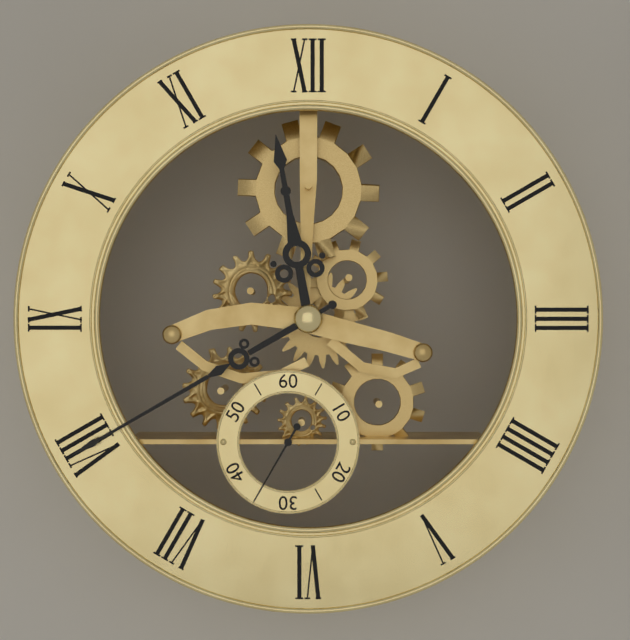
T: **11:40:35**
